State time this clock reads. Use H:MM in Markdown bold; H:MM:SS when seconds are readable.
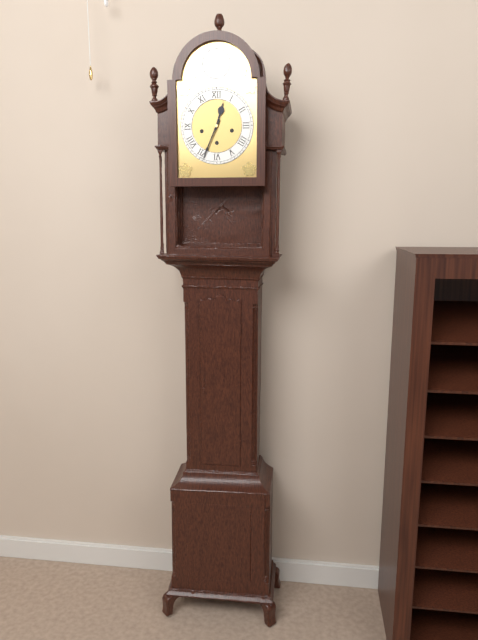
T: **12:34**
